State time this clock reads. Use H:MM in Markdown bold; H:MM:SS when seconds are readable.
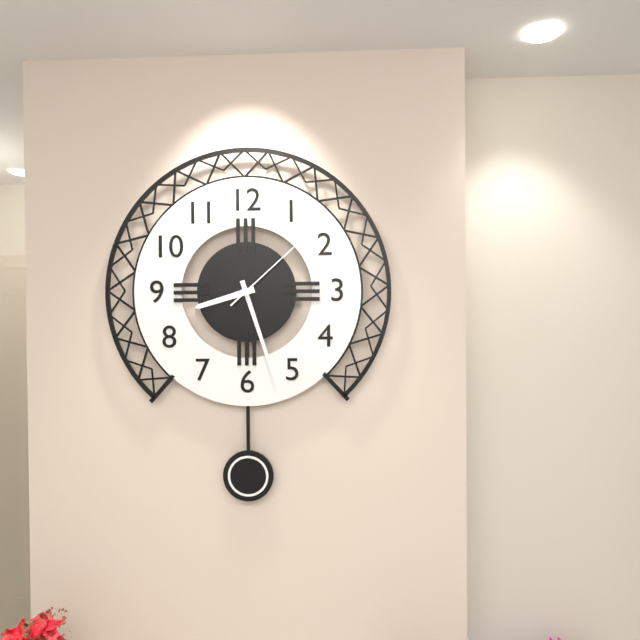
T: **8:27:08**
